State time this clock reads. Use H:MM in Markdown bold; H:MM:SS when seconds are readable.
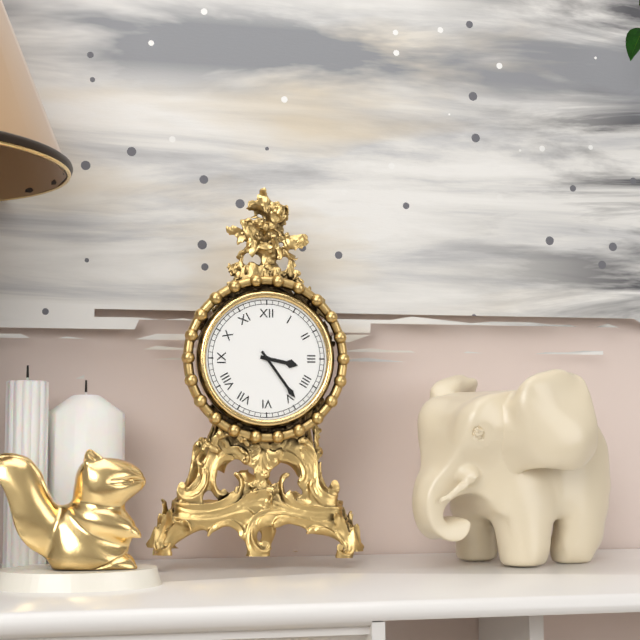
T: **3:24**
